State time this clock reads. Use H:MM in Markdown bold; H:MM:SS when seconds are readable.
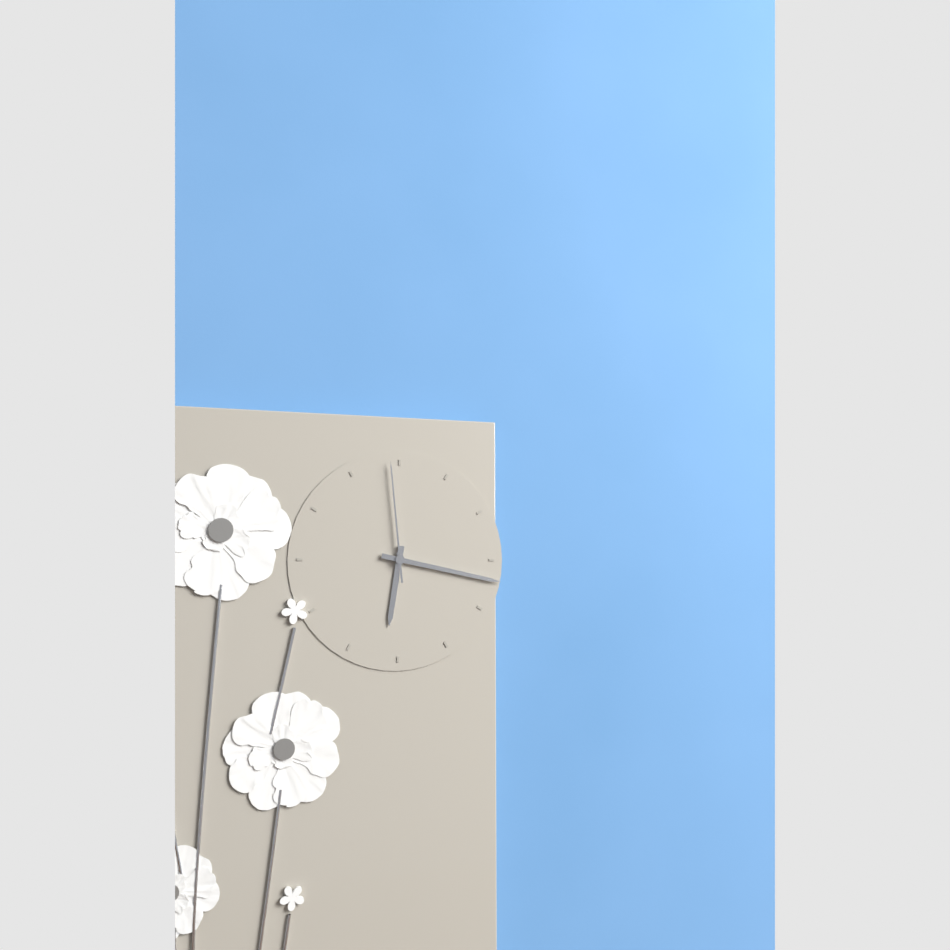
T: **6:17:59**
